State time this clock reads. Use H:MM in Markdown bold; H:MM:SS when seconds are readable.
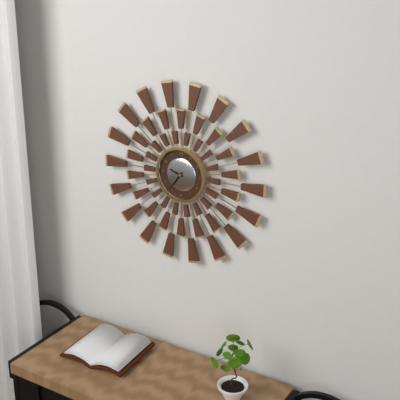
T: **9:36**
